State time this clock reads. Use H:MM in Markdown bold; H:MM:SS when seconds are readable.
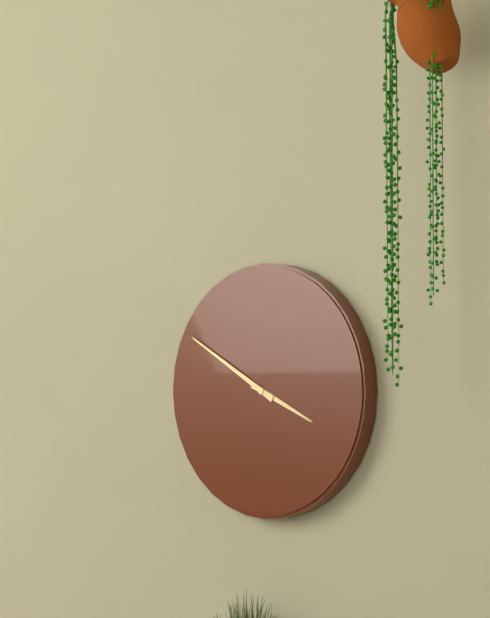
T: **3:50**
